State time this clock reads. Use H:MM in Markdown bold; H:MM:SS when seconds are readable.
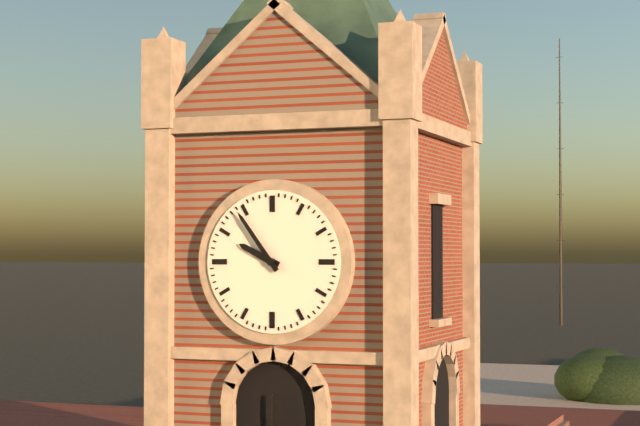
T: **9:54**
